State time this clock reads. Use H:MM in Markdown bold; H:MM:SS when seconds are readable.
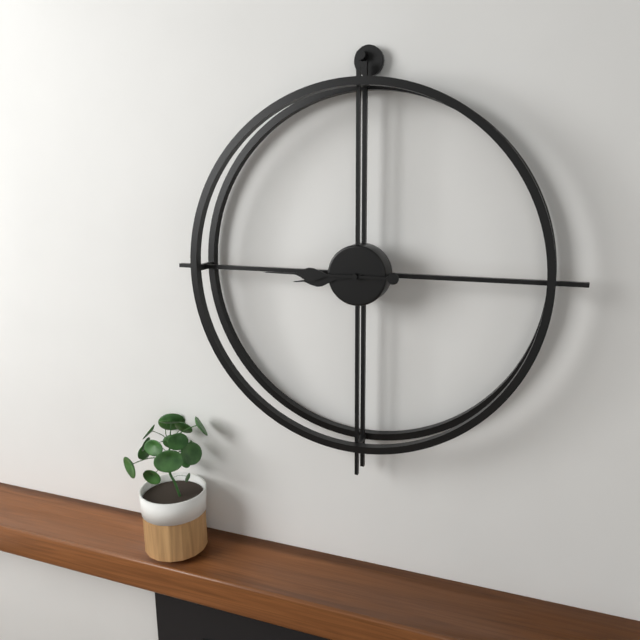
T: **8:45**
